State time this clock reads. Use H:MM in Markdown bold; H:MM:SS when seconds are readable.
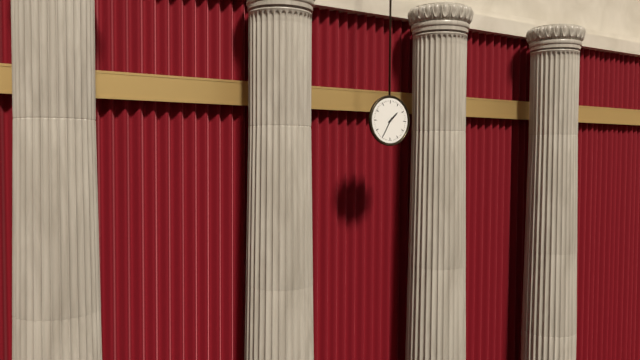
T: **1:35**
